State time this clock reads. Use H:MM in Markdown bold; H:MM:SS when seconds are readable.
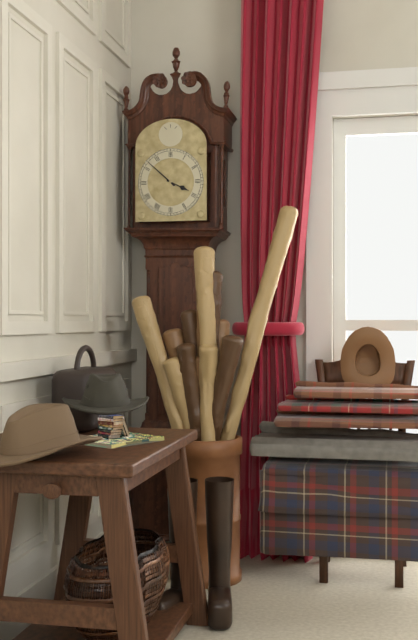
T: **3:52**
